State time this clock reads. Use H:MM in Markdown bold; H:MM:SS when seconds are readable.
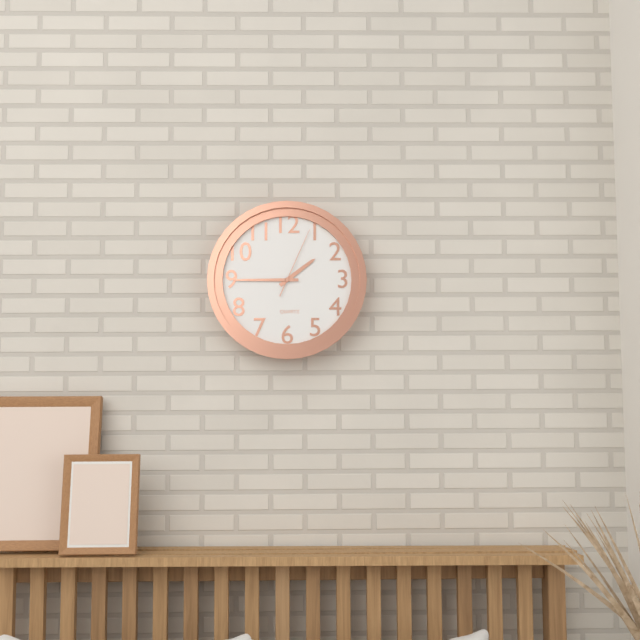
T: **1:45:04**
